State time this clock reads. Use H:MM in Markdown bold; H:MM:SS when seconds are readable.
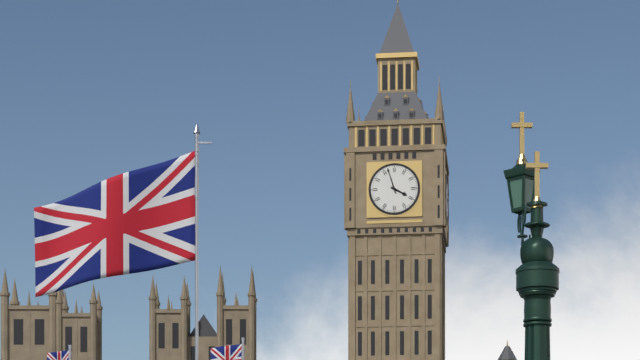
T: **3:57**
